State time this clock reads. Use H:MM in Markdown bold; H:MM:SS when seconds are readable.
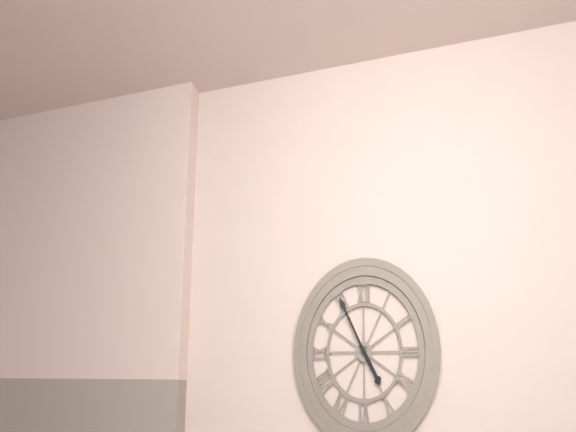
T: **4:55**
